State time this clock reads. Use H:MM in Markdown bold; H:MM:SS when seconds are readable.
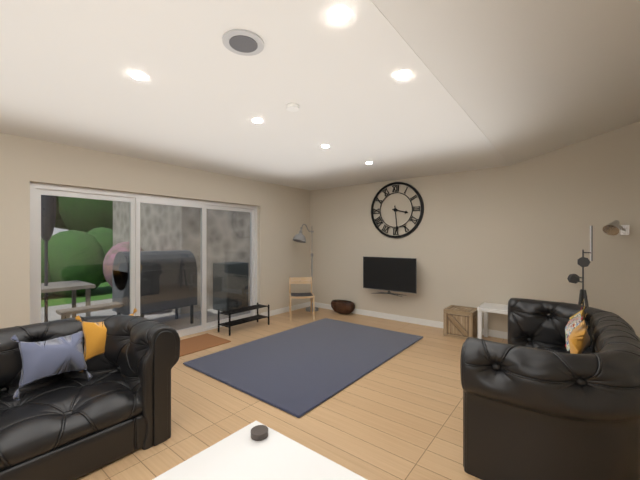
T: **3:29**
